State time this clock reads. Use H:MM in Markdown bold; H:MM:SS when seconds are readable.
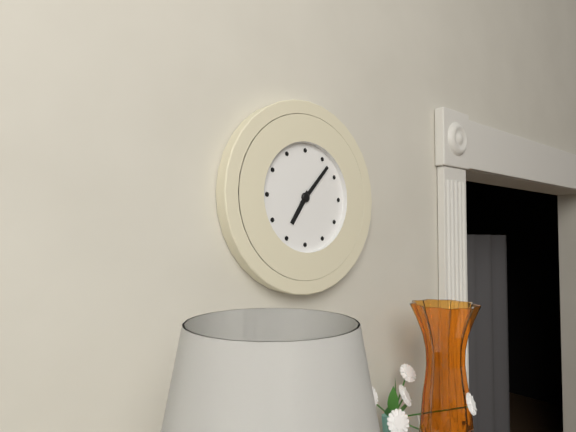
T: **7:07**
